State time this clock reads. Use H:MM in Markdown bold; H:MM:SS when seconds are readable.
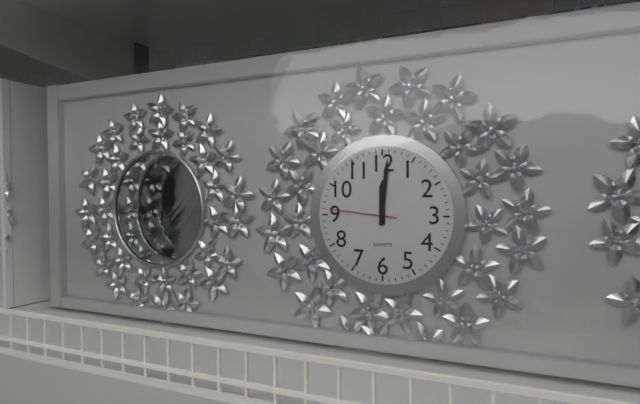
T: **12:01:46**
